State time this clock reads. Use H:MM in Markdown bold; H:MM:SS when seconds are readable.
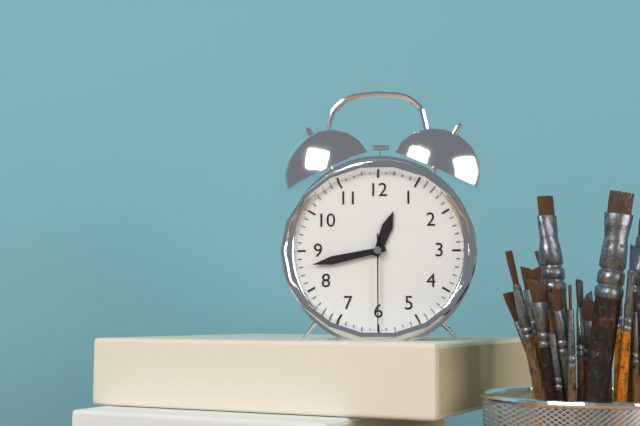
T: **12:43:30**
